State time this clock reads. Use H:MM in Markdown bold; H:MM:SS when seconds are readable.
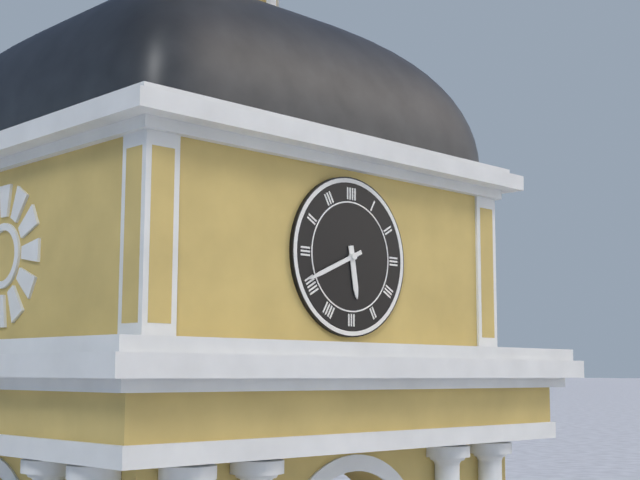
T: **5:41**
